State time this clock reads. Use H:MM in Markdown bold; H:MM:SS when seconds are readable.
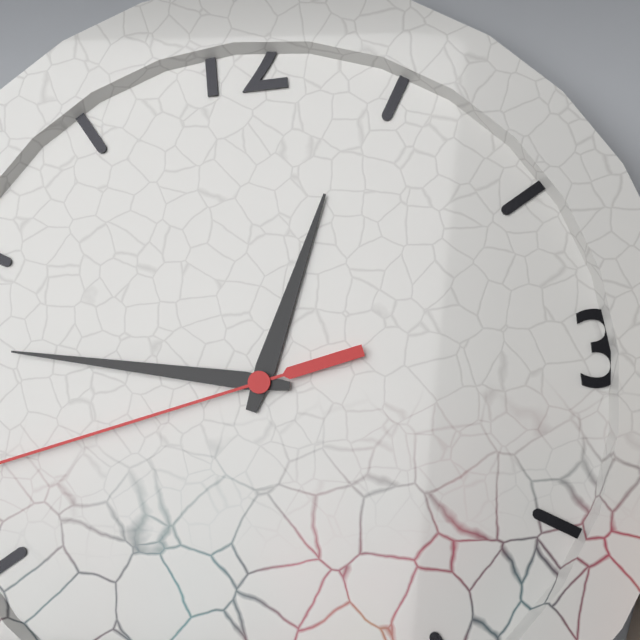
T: **12:47**
